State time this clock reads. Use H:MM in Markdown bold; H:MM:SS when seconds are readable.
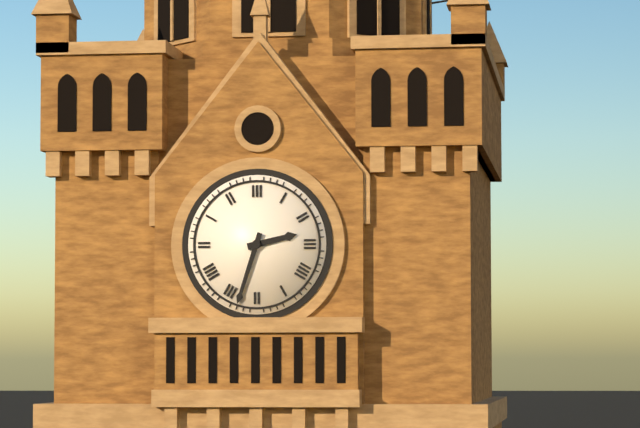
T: **2:33**
